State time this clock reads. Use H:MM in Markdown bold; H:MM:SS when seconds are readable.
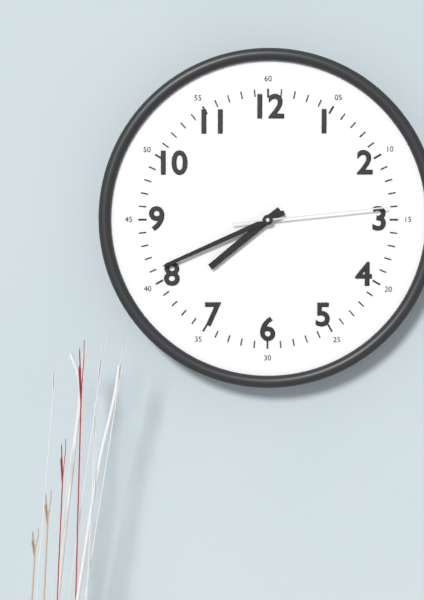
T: **7:41:14**
